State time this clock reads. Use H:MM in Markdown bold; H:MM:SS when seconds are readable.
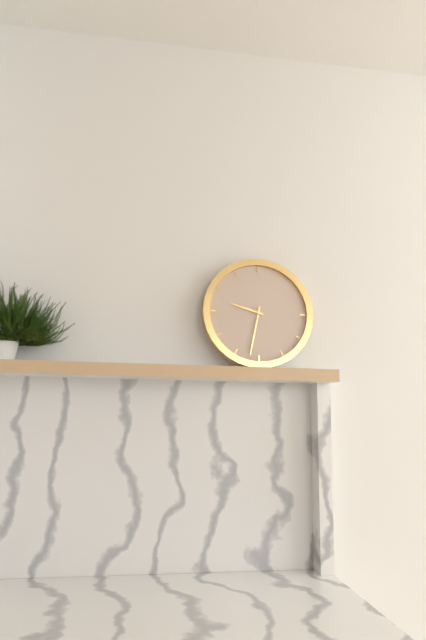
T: **9:32**
